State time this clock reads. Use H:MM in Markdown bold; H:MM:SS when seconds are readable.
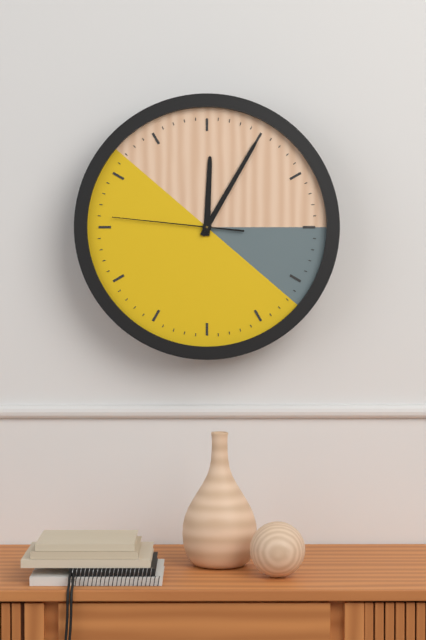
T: **12:05:46**
